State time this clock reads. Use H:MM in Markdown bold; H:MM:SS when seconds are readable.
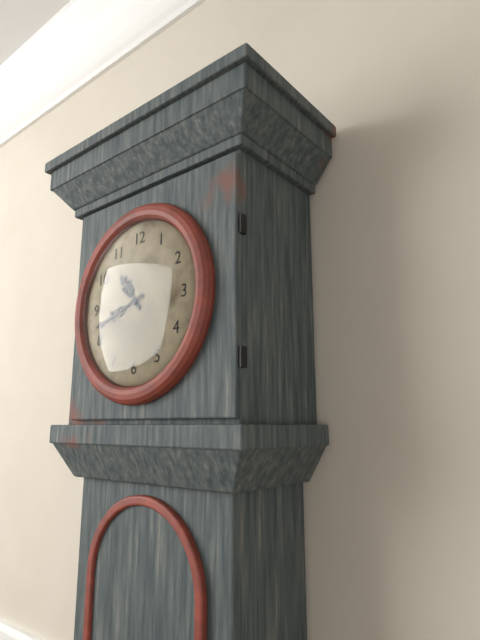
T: **10:42**
